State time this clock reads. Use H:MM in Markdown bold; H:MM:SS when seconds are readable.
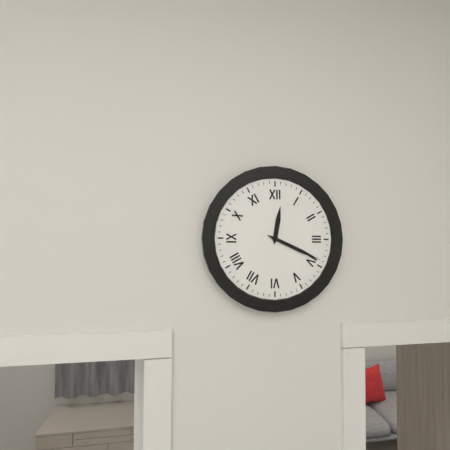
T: **12:19**
